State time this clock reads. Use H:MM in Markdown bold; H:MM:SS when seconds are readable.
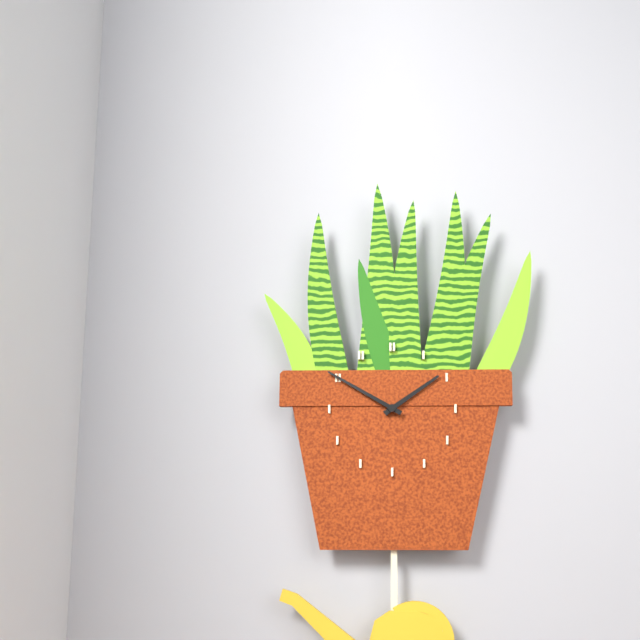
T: **1:50**
